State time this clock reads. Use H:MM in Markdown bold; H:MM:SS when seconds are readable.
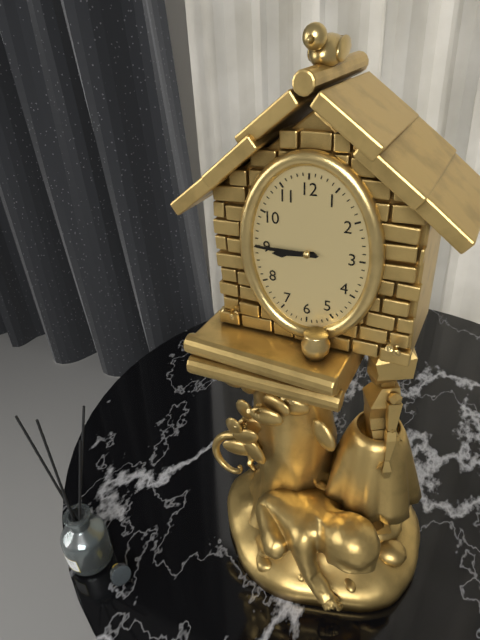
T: **8:45**
